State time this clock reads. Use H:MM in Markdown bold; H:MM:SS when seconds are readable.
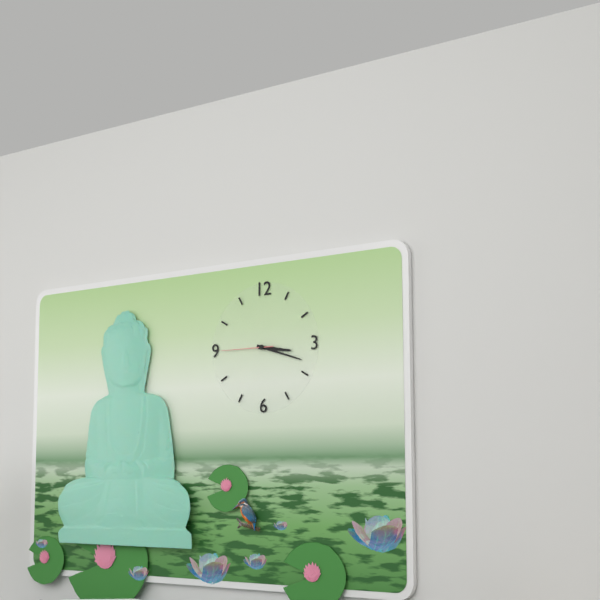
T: **3:18:45**
